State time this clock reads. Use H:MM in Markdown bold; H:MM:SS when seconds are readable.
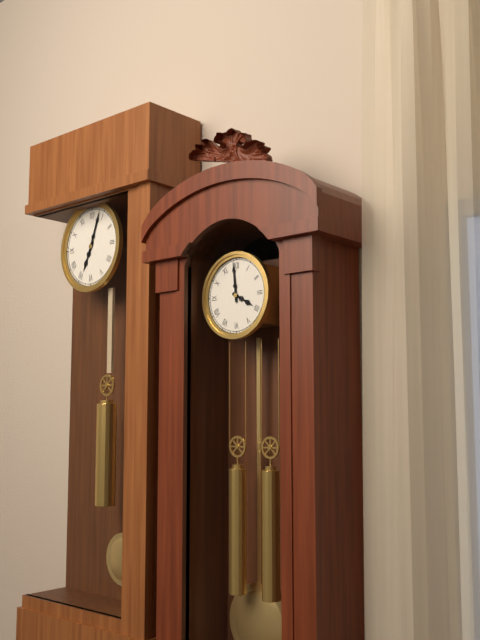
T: **3:59**
